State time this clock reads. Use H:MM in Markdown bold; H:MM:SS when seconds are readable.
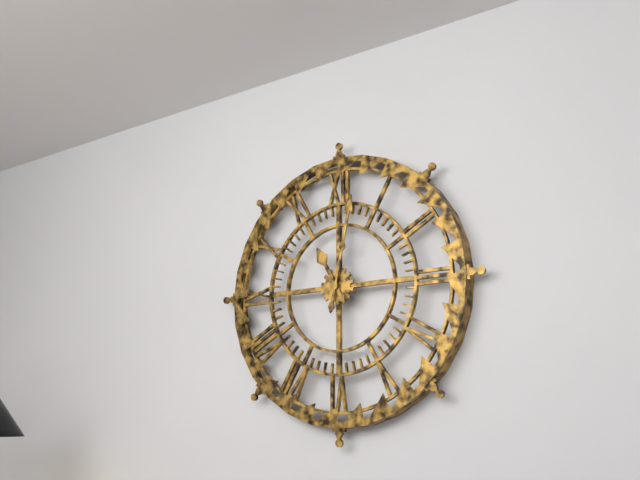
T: **11:02**
